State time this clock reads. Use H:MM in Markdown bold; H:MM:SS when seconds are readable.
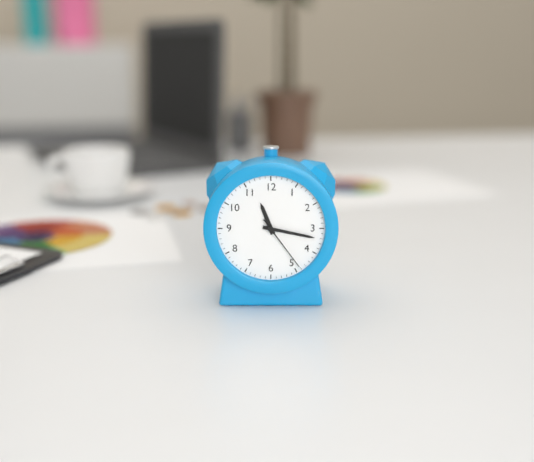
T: **11:17:24**
